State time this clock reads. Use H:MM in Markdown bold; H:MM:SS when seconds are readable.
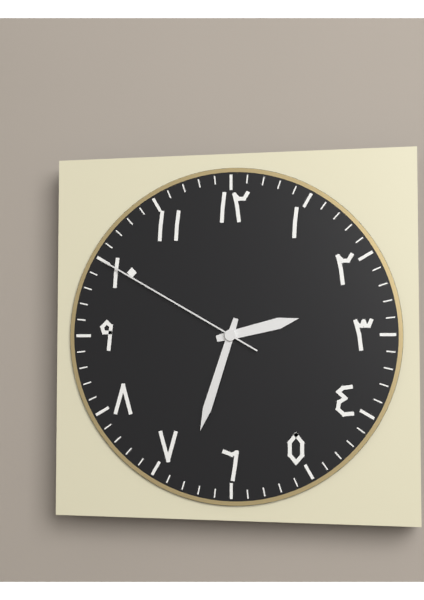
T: **2:33:50**
